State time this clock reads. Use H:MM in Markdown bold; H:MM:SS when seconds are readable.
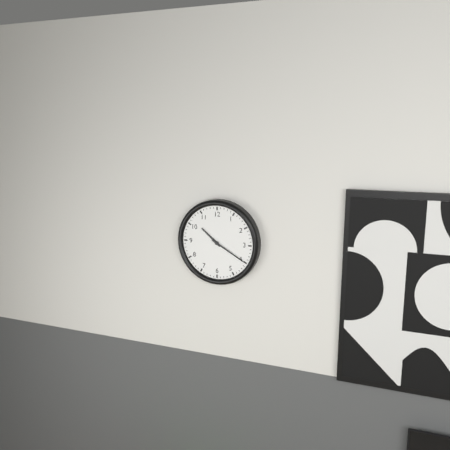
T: **10:20**
